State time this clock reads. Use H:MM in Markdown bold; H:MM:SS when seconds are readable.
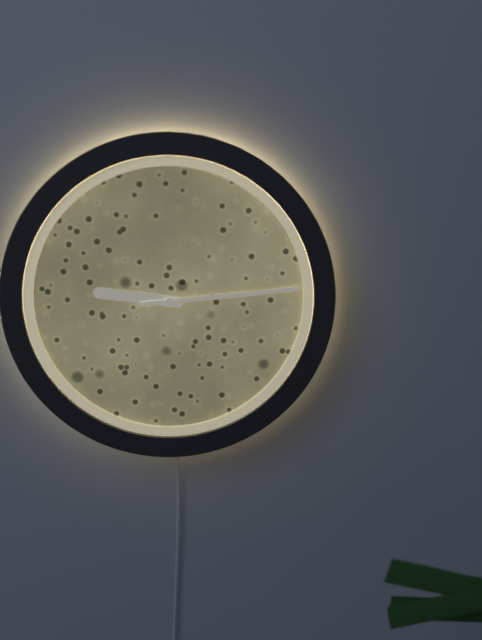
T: **9:14**
